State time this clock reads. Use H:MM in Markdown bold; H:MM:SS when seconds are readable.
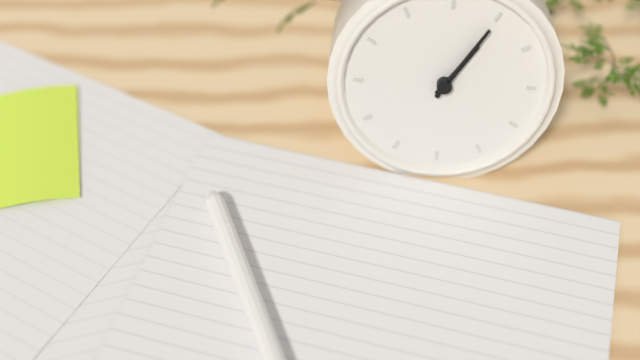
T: **1:05**
